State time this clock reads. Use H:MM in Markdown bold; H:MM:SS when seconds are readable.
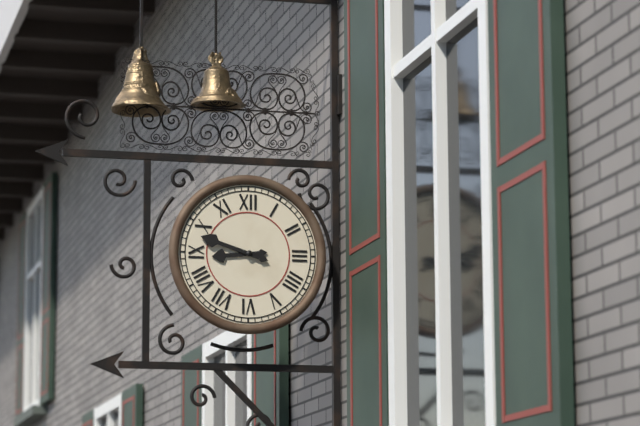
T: **8:48**
